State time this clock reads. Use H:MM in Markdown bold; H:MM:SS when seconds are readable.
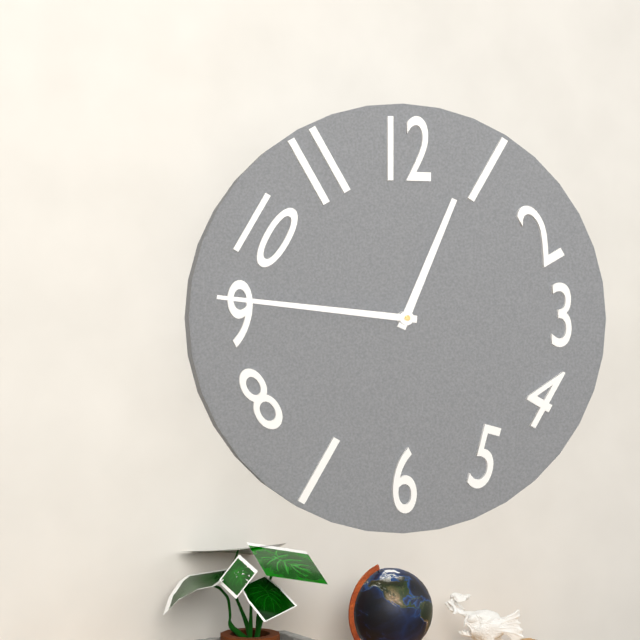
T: **12:46**
